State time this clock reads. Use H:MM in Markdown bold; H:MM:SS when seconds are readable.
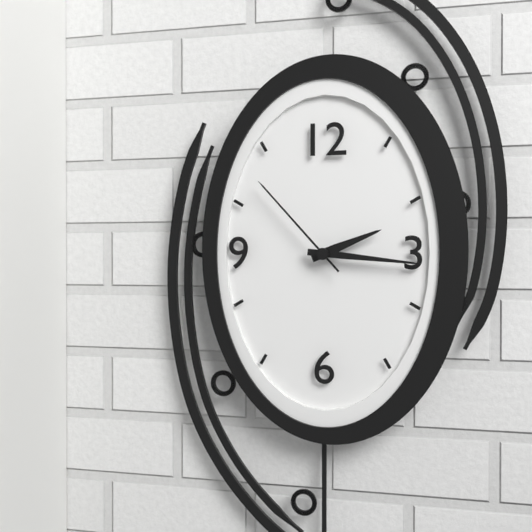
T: **2:16:53**
